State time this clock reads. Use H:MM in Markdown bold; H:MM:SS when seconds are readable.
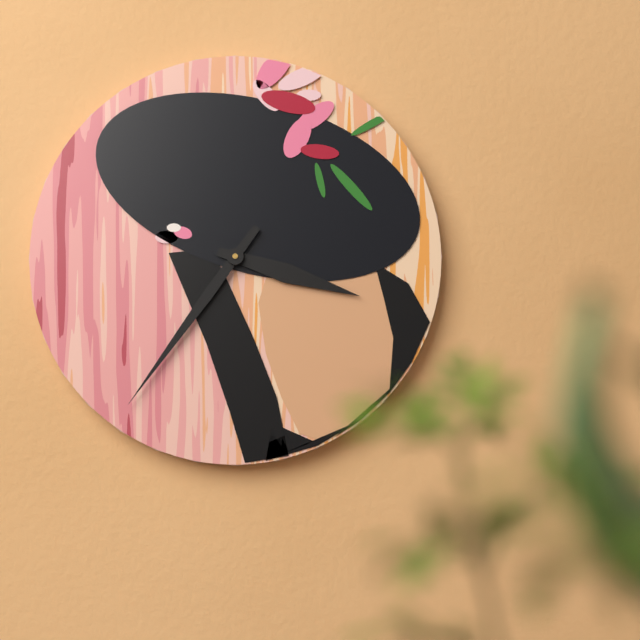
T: **3:36**
